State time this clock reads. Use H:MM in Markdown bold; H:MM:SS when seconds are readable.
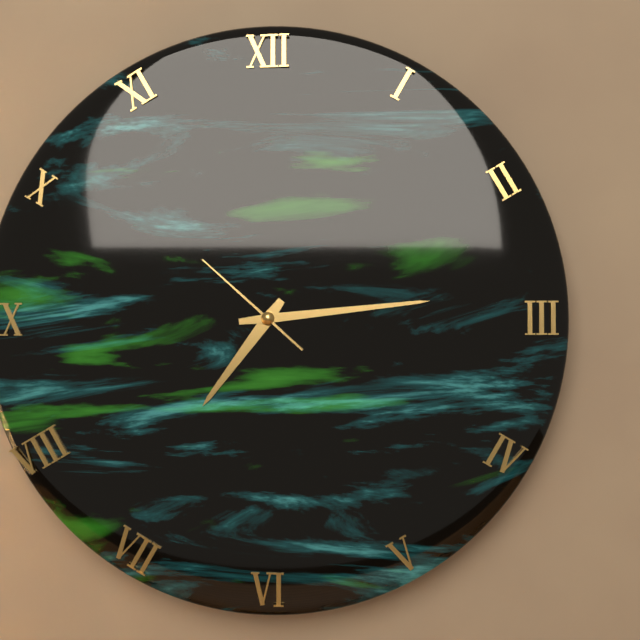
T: **7:14:52**
